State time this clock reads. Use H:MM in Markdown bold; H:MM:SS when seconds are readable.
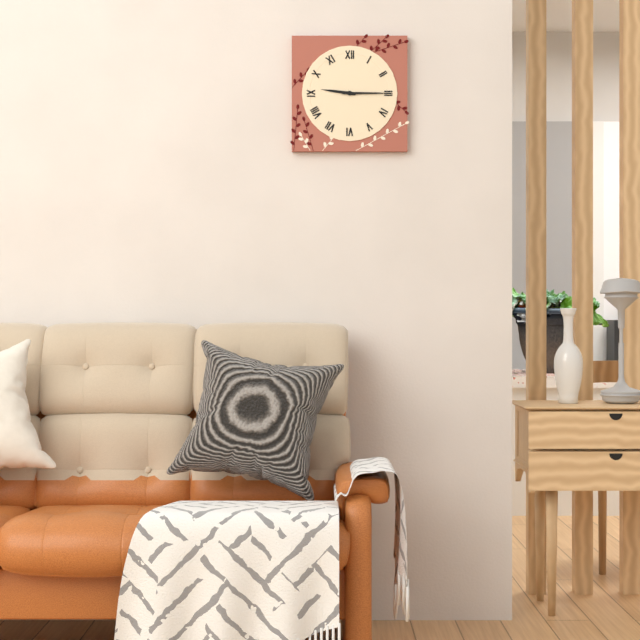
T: **9:15**
